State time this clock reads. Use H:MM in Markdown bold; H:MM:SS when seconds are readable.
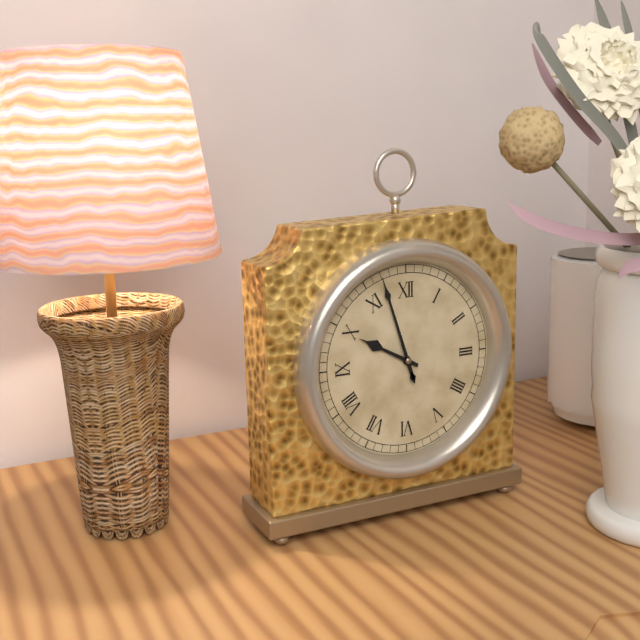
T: **9:57**
